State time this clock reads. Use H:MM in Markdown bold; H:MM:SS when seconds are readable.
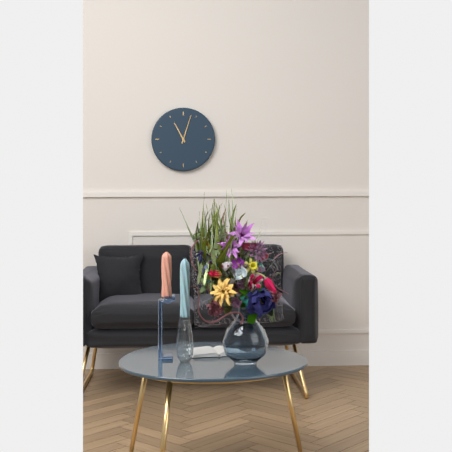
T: **11:03**
